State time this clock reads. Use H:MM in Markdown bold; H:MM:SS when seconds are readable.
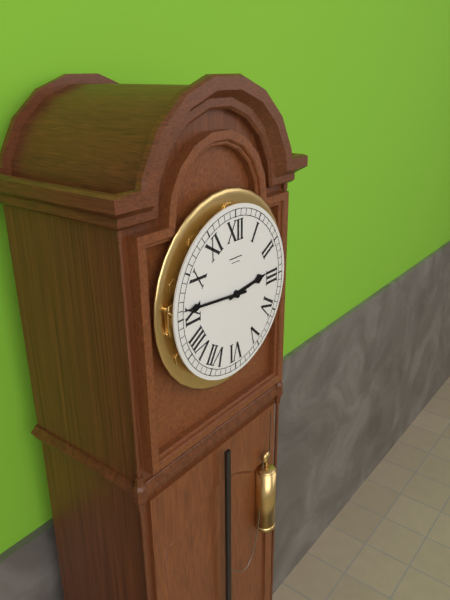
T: **2:46**
